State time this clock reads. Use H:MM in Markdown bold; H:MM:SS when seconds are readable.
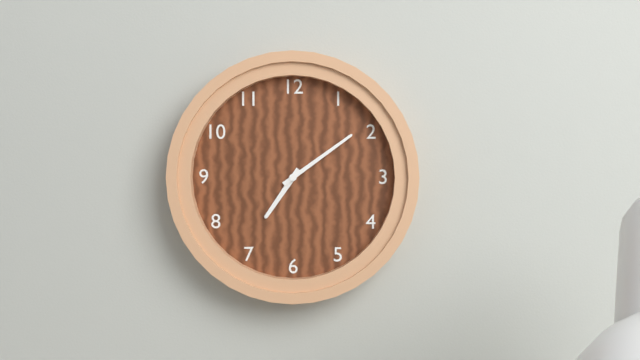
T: **7:09**
